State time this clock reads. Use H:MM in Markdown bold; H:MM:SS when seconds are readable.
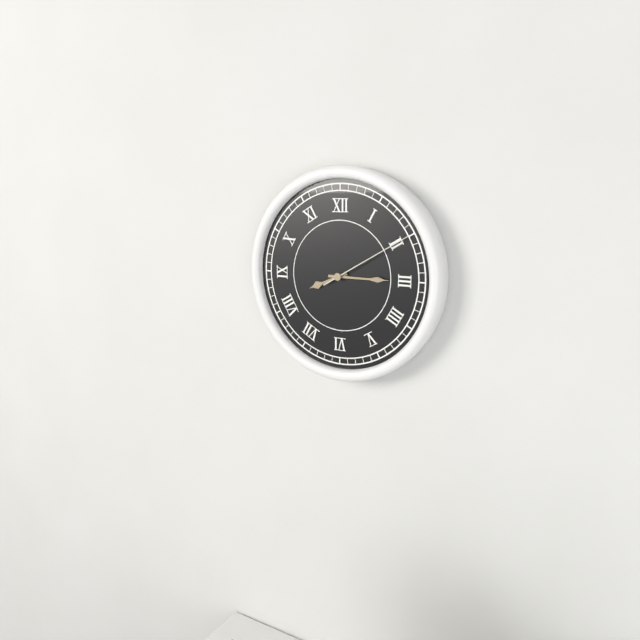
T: **8:15:10**
